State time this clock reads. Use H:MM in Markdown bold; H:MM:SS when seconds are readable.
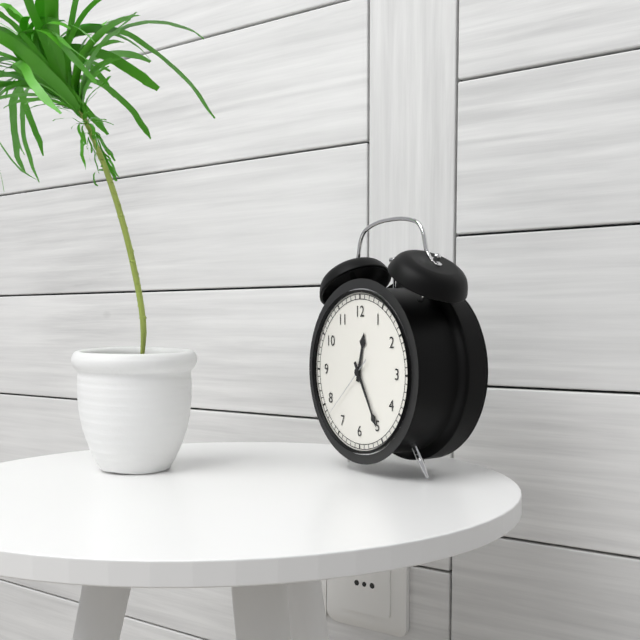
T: **12:25:38**
